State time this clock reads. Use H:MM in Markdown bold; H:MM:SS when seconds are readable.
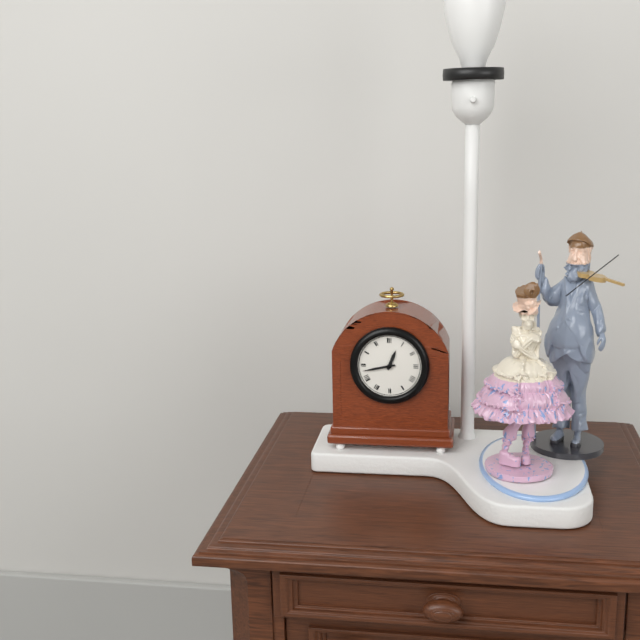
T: **12:43**
